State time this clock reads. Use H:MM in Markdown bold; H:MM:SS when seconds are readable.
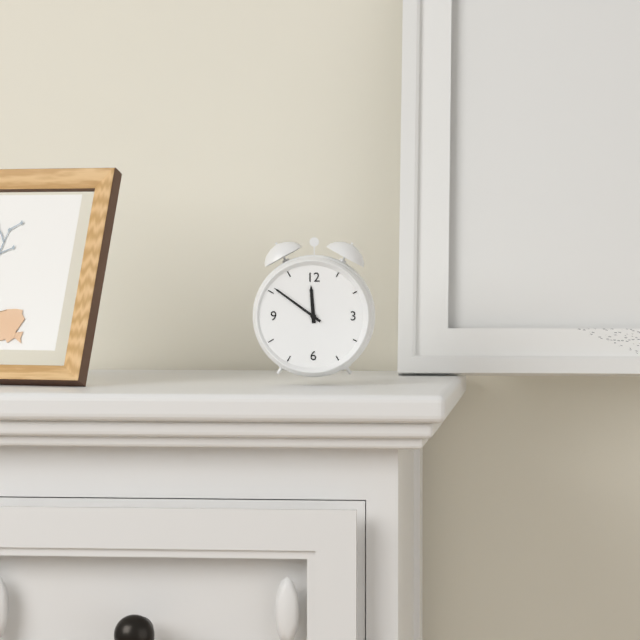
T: **11:51**
